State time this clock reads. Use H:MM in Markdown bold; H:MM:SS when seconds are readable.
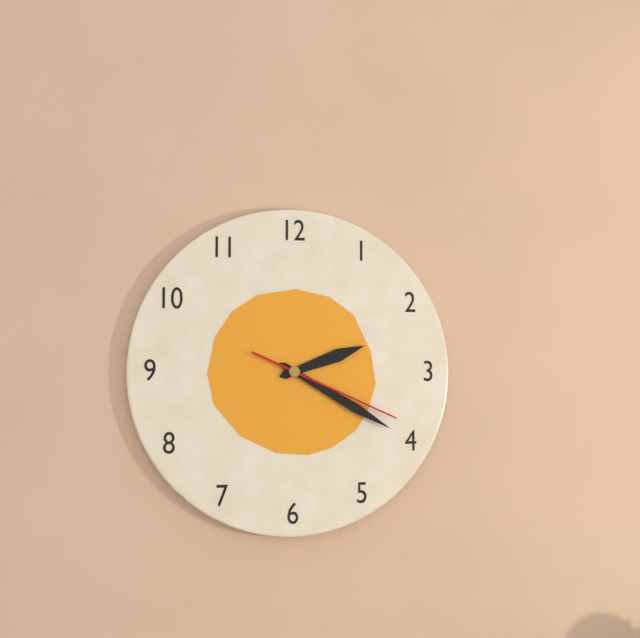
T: **2:20:19**
